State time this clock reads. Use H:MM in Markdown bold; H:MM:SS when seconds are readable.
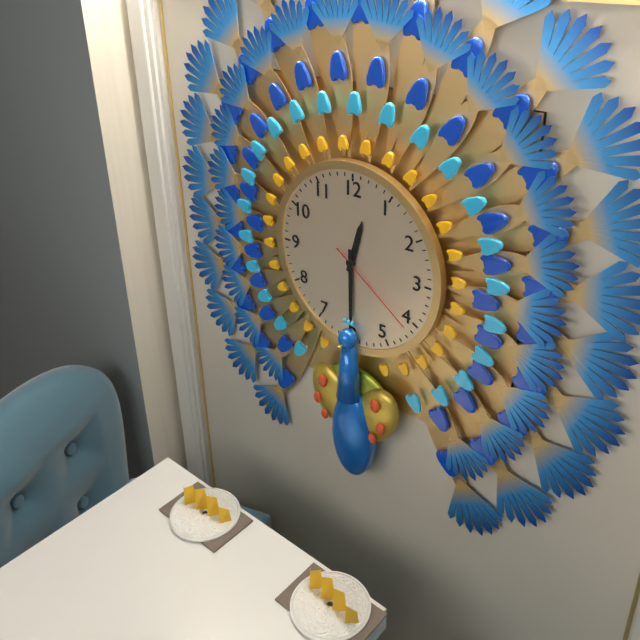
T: **12:30:21**
